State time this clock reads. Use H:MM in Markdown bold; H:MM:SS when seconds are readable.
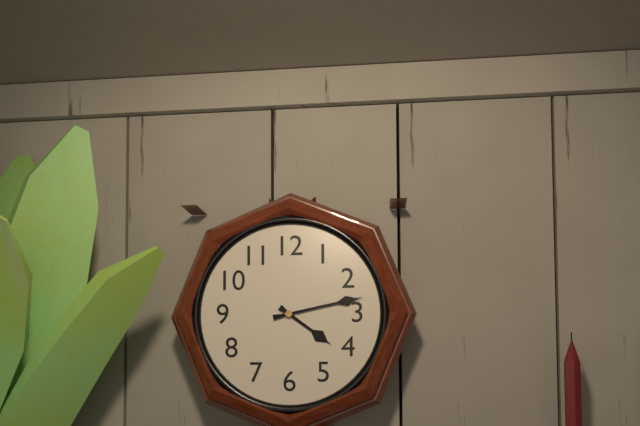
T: **4:13**
